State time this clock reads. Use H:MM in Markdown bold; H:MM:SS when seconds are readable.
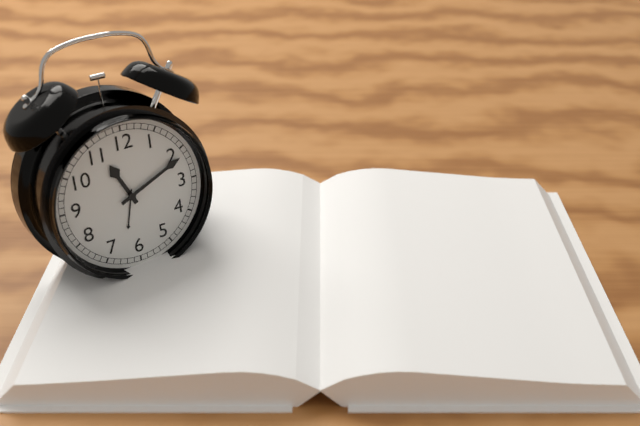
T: **11:11**
